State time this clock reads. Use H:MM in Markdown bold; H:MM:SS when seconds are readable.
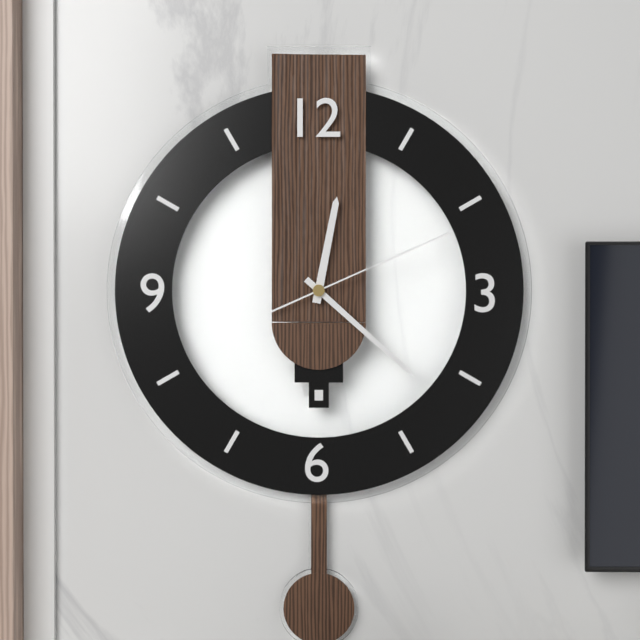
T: **12:22:11**
